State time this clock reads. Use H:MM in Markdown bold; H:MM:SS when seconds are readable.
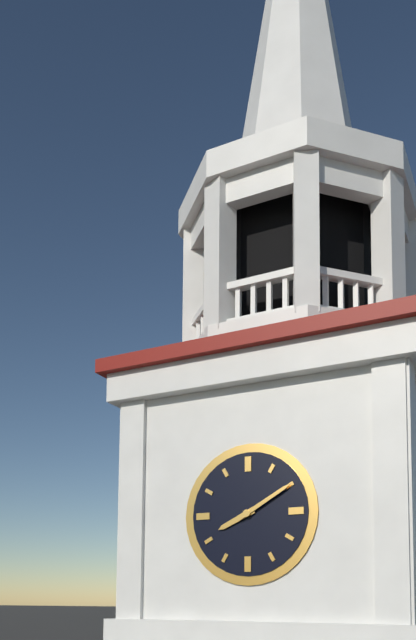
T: **8:10**
